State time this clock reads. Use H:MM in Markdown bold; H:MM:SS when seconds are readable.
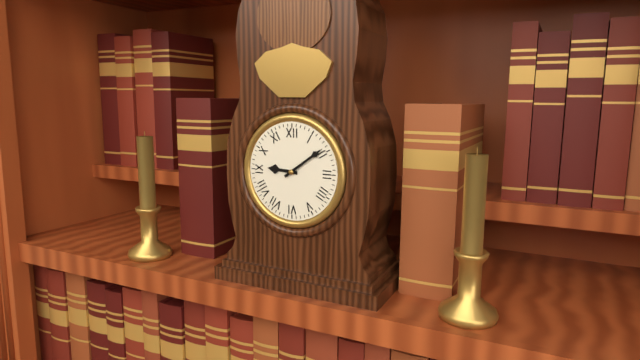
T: **9:09**
